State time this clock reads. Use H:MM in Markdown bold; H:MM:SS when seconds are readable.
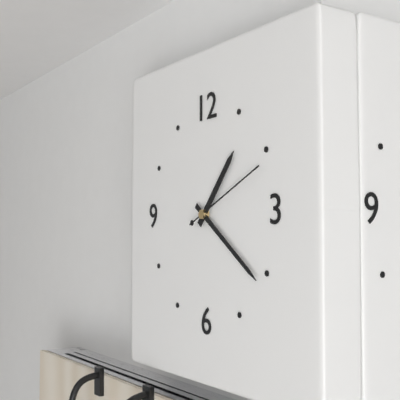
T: **1:21:11**
